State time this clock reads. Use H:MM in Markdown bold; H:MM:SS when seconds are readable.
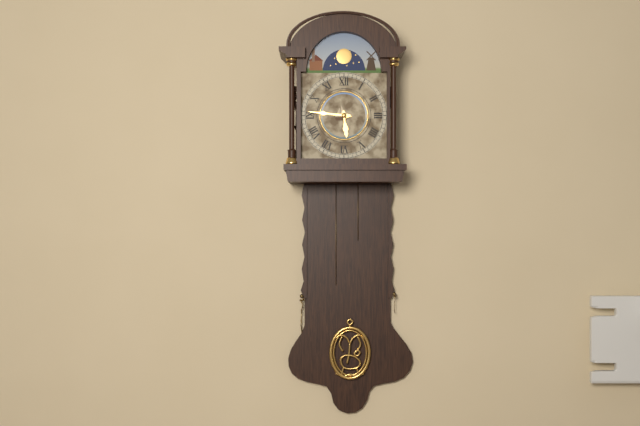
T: **5:46**
